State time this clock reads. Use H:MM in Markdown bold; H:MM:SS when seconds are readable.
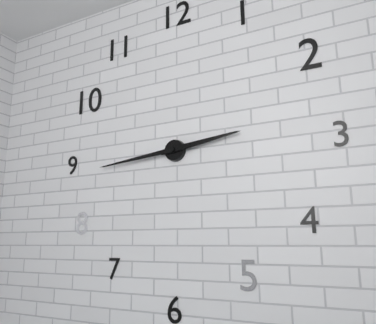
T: **2:44**
